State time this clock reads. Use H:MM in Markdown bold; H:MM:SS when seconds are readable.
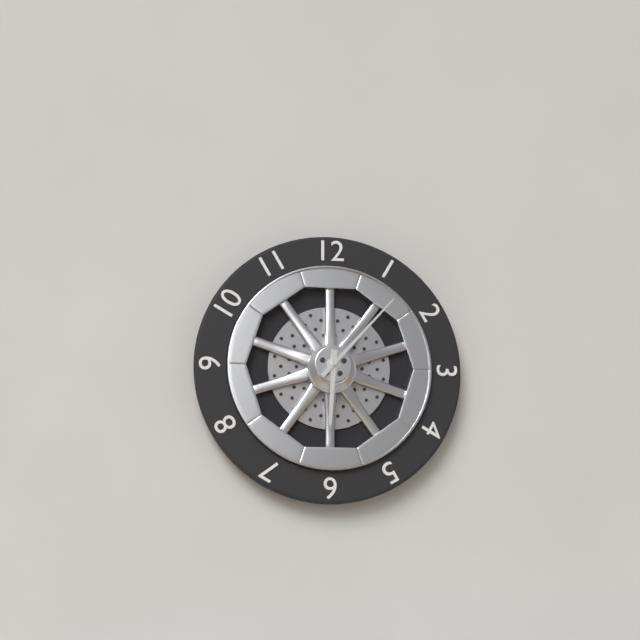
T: **6:07**
